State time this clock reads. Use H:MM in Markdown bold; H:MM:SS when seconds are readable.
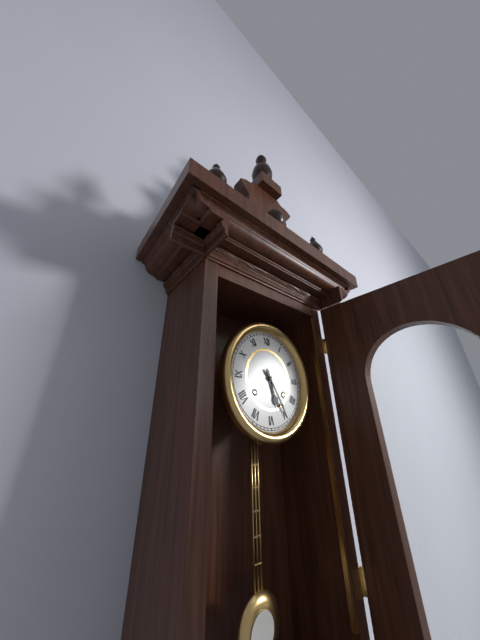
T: **5:25**
